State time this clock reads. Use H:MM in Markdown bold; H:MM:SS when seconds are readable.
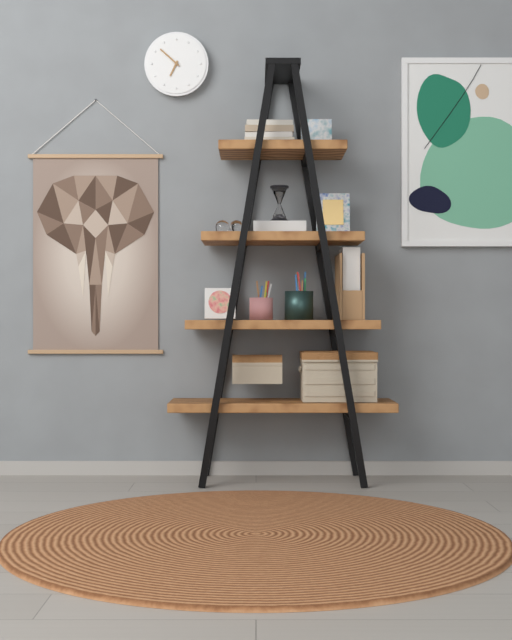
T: **6:52**
